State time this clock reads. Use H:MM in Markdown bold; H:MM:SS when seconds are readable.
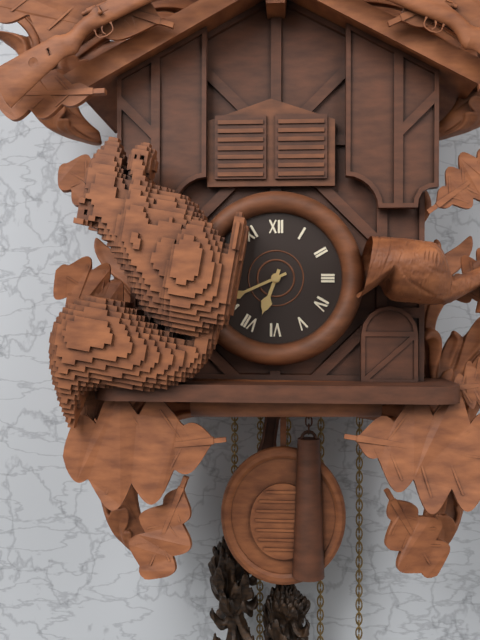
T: **6:41**
